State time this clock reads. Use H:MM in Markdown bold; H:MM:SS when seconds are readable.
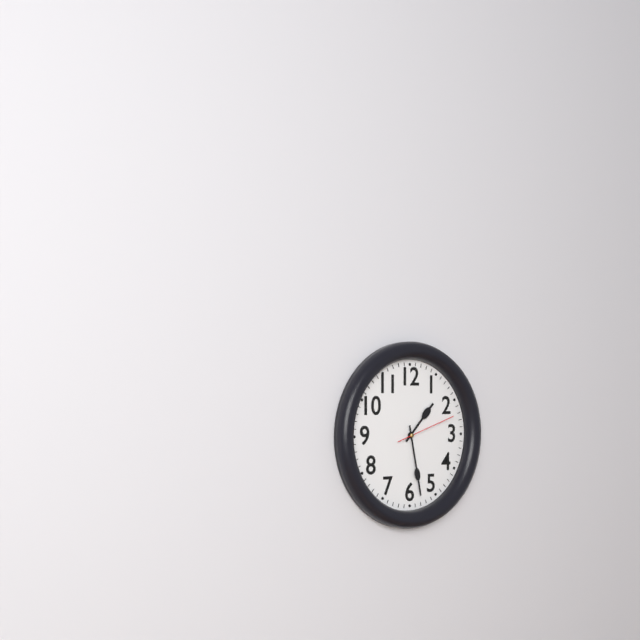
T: **1:28:12**
